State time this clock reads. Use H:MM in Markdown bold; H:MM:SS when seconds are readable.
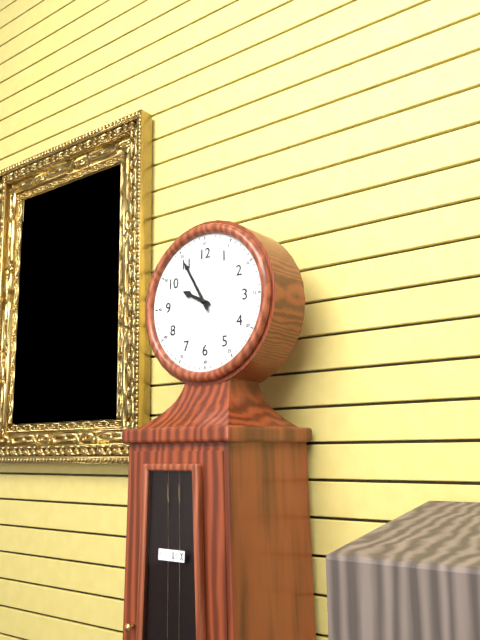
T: **9:55**
